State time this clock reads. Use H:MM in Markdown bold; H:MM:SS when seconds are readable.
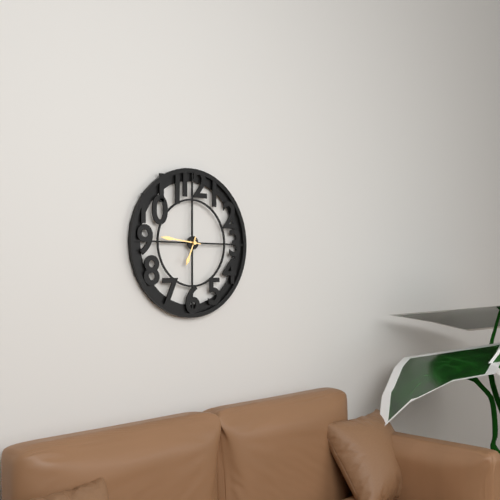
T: **6:46**
